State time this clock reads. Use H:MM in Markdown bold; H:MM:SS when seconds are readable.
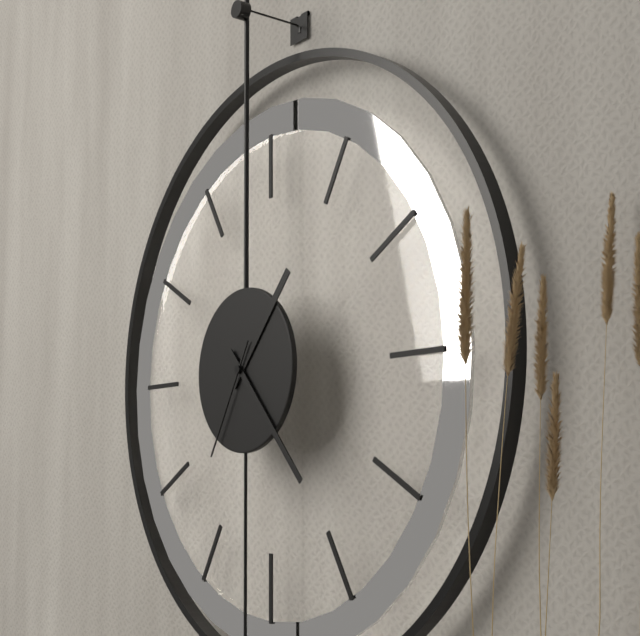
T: **1:23:35**
